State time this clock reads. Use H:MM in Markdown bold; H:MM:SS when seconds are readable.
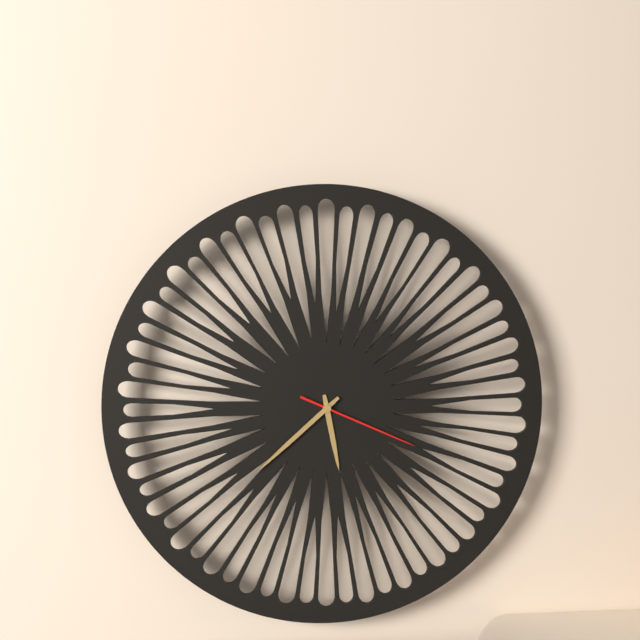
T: **5:38:19**
